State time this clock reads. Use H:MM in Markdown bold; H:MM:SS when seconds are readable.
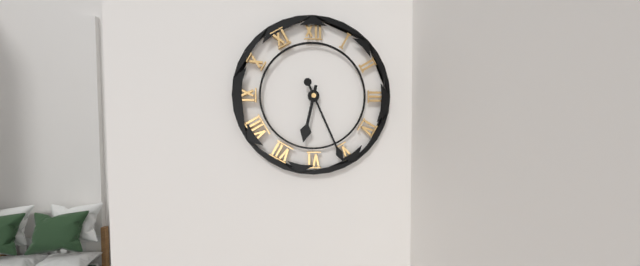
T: **6:26**
